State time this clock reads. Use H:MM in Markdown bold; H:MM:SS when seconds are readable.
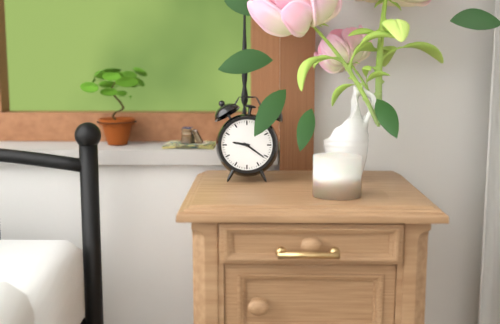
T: **9:21**
